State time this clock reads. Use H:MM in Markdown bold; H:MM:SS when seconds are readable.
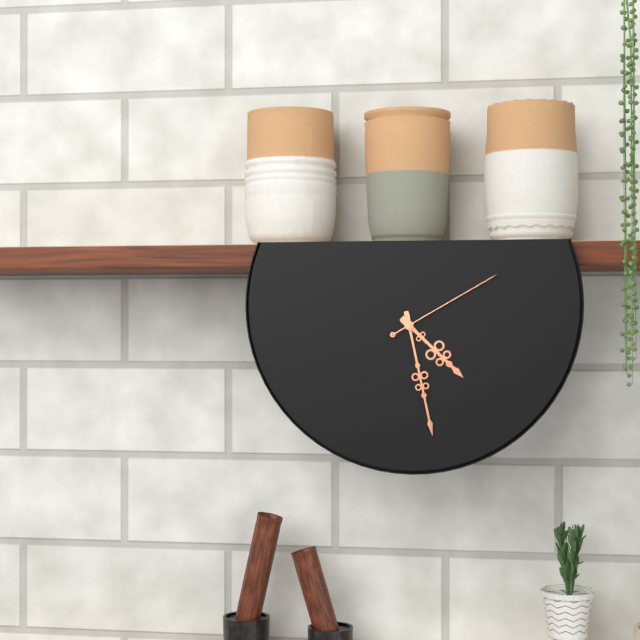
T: **4:28:10**
